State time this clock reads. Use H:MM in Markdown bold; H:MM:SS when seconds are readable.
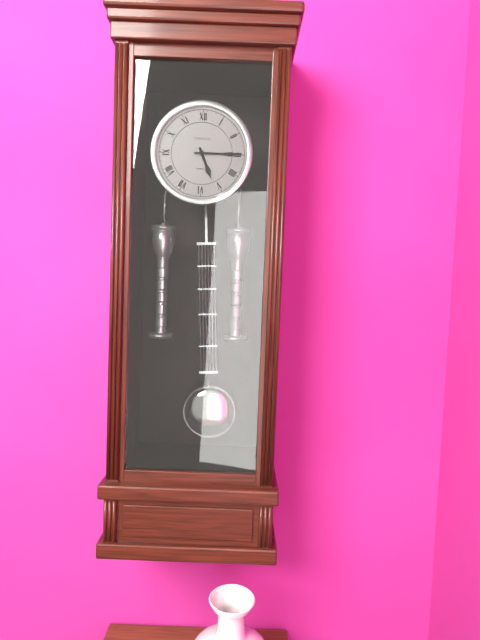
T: **5:15**
